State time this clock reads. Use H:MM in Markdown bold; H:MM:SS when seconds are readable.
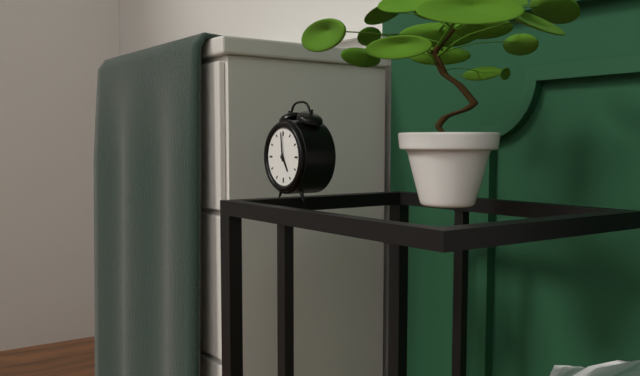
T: **4:59**
